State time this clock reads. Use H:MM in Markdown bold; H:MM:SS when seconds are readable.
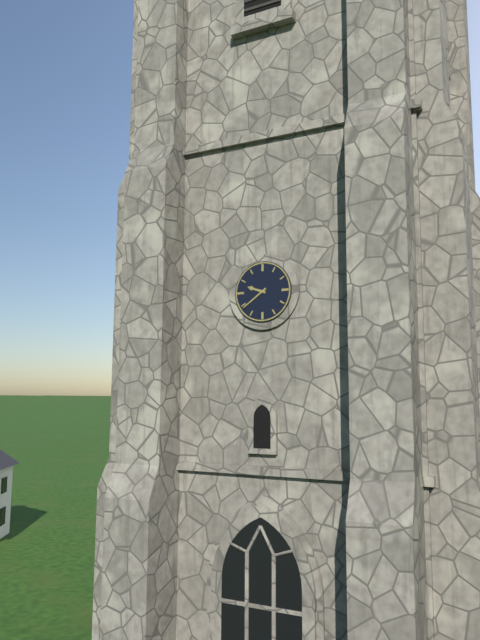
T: **9:39**
